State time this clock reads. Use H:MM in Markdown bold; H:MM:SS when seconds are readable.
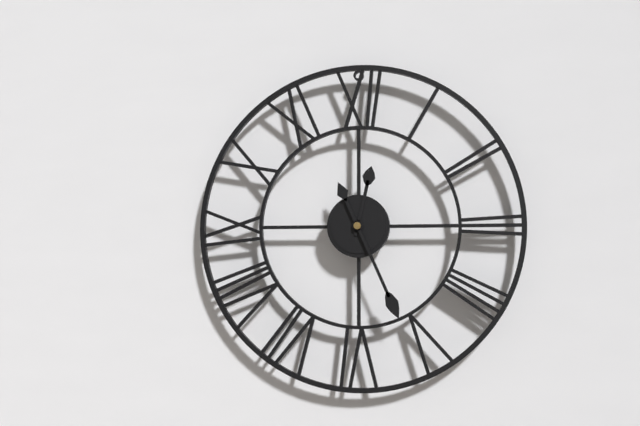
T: **12:26**
